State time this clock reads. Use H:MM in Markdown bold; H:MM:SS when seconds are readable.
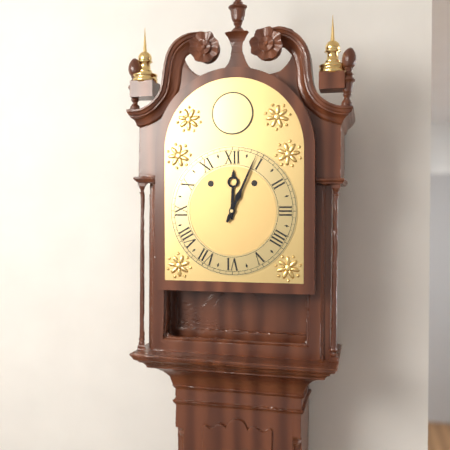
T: **12:04**
